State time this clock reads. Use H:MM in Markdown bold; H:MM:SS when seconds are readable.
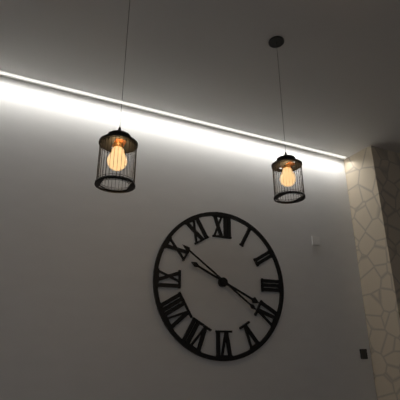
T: **3:51**
